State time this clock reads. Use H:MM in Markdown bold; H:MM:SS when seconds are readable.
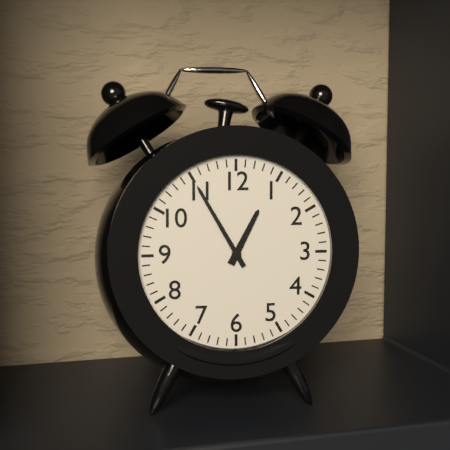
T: **12:55**
